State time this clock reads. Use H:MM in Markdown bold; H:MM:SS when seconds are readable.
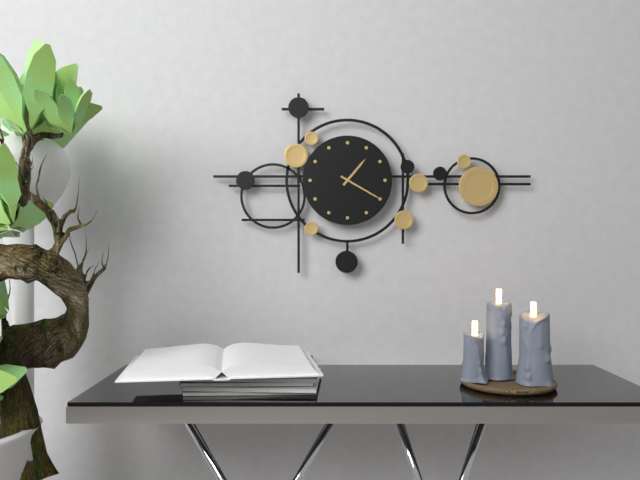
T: **1:20**
